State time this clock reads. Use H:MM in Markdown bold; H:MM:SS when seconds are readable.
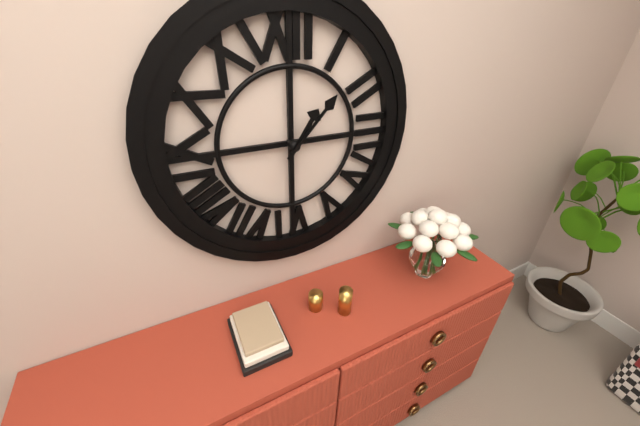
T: **1:07**
